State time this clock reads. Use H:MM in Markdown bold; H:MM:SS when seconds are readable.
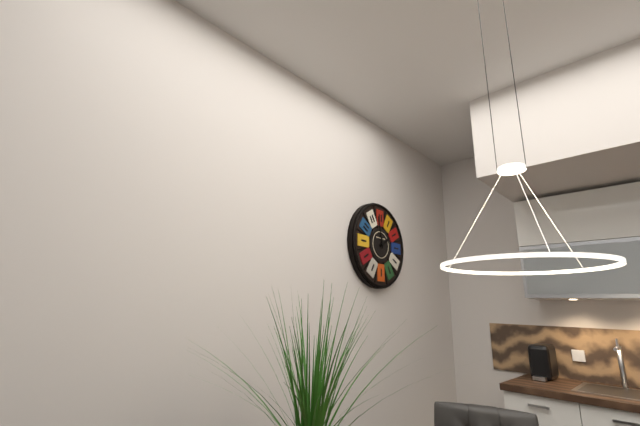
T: **1:58**
